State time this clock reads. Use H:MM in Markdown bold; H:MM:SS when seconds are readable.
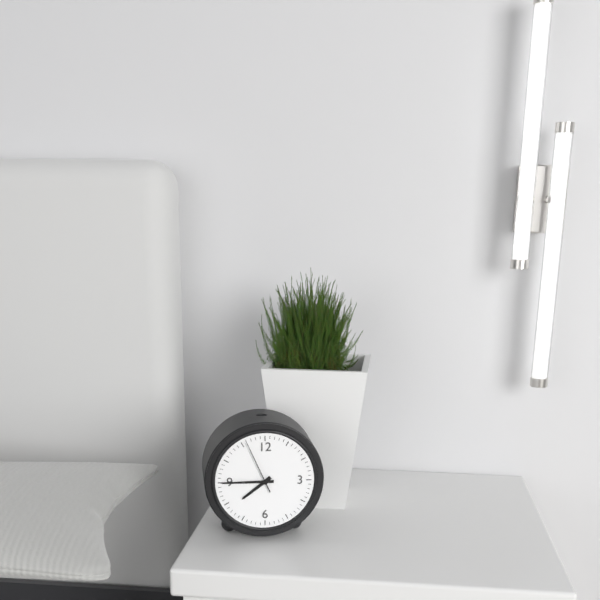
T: **7:45:56**
